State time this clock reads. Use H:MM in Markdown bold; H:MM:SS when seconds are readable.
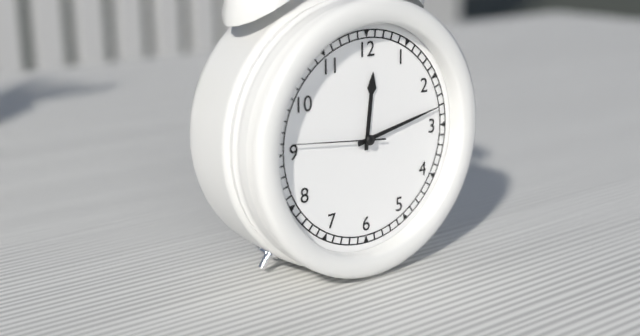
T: **12:13:46**
